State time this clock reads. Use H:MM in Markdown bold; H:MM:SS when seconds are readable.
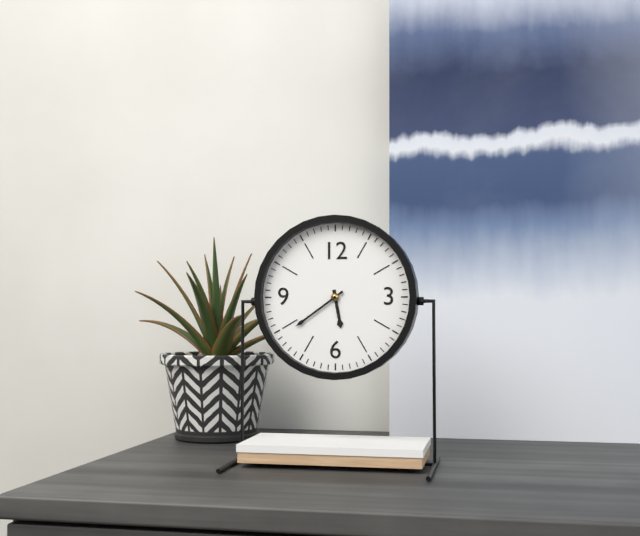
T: **5:39**
